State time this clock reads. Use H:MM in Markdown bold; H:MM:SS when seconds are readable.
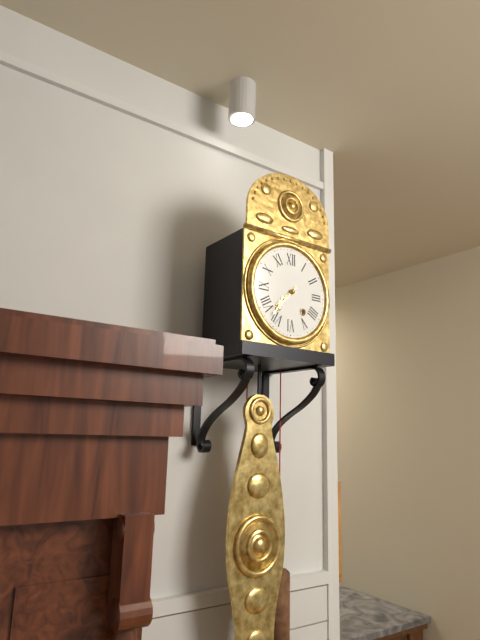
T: **7:37**
